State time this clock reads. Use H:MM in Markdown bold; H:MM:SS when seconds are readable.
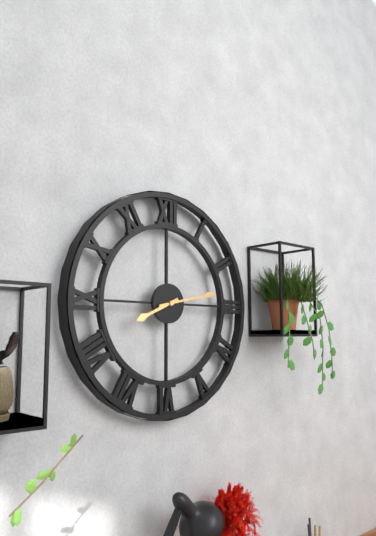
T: **8:13**
